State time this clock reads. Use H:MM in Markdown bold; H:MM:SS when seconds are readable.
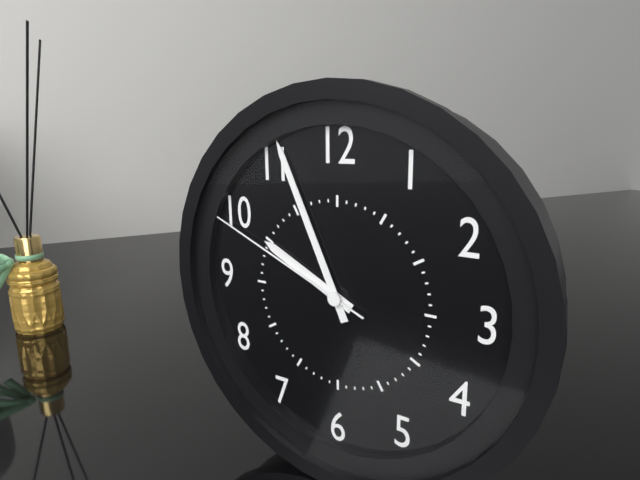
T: **9:56:49**
